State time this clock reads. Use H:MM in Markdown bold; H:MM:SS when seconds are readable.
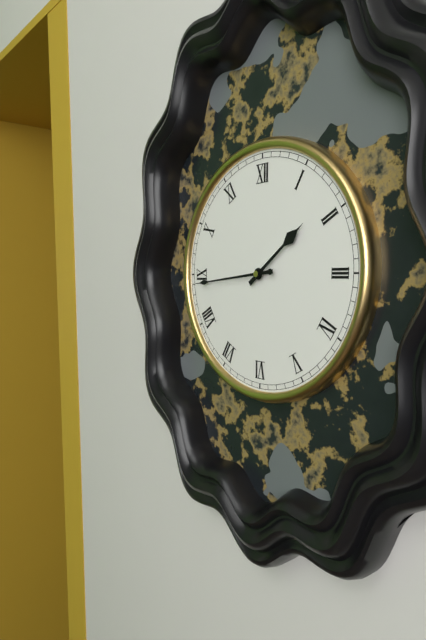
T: **1:44**
